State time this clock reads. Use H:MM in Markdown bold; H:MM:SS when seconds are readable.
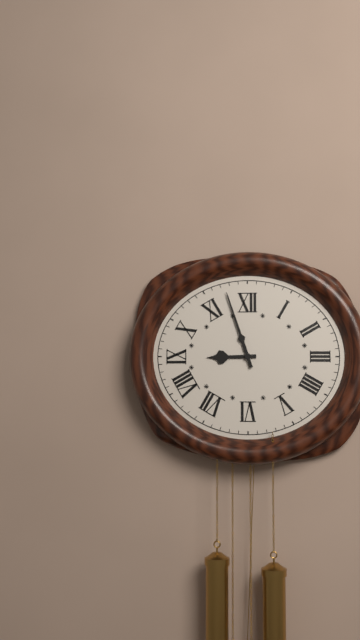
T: **8:57**
